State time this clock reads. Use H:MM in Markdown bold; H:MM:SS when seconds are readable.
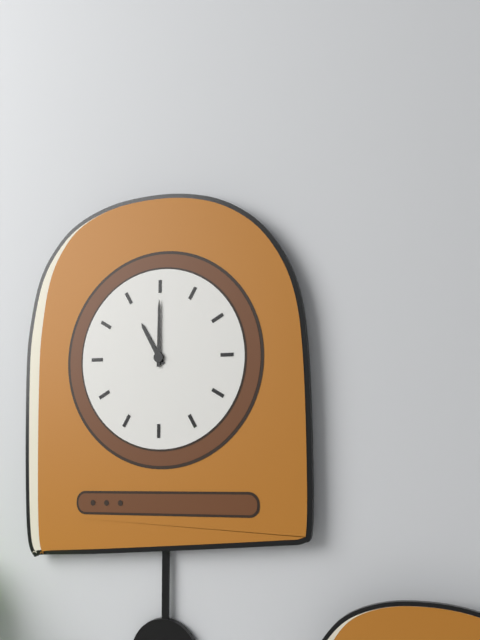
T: **11:00**
